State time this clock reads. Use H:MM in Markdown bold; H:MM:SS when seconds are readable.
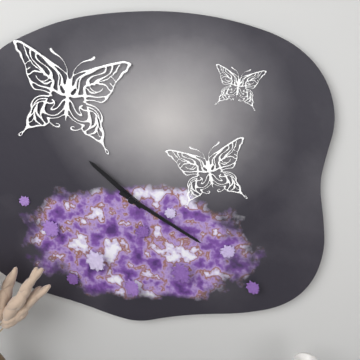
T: **10:20**
